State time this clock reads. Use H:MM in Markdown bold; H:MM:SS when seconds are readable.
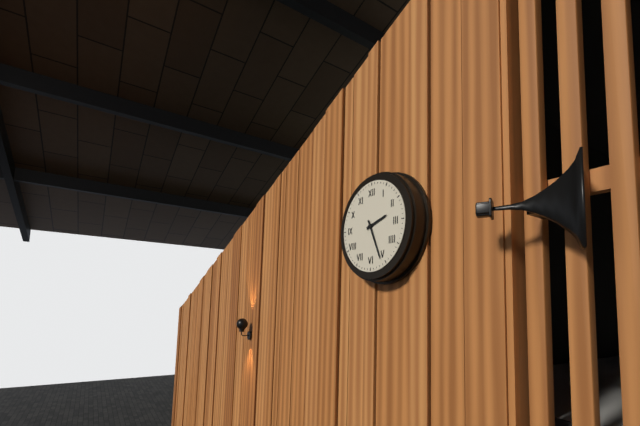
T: **2:26**
